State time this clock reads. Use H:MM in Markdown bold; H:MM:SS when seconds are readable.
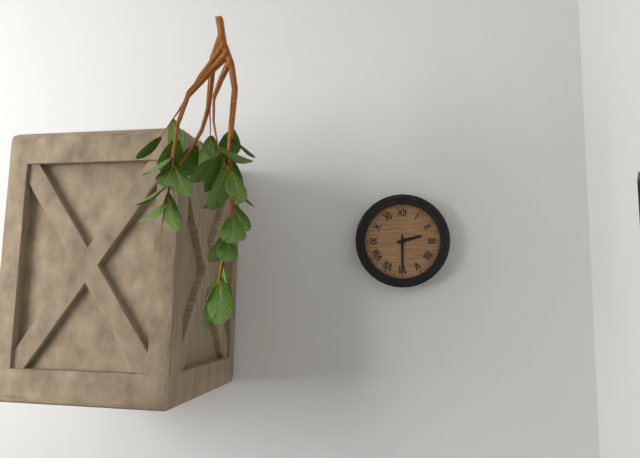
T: **2:30**
